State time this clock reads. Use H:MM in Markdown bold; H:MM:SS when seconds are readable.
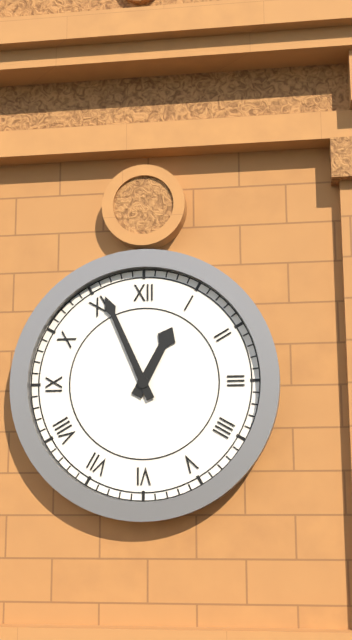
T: **12:56**
